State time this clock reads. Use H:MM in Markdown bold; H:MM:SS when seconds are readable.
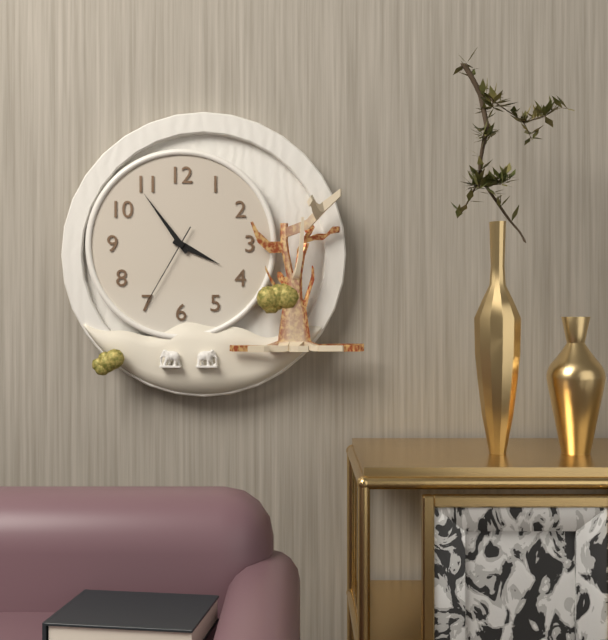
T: **3:54:35**
